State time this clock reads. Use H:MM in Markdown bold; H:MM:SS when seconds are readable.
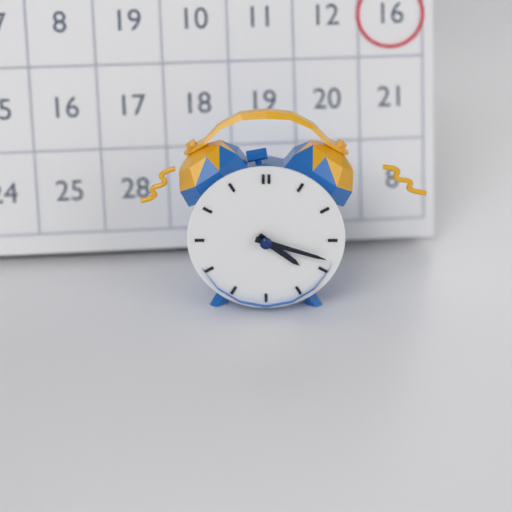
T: **4:18**
